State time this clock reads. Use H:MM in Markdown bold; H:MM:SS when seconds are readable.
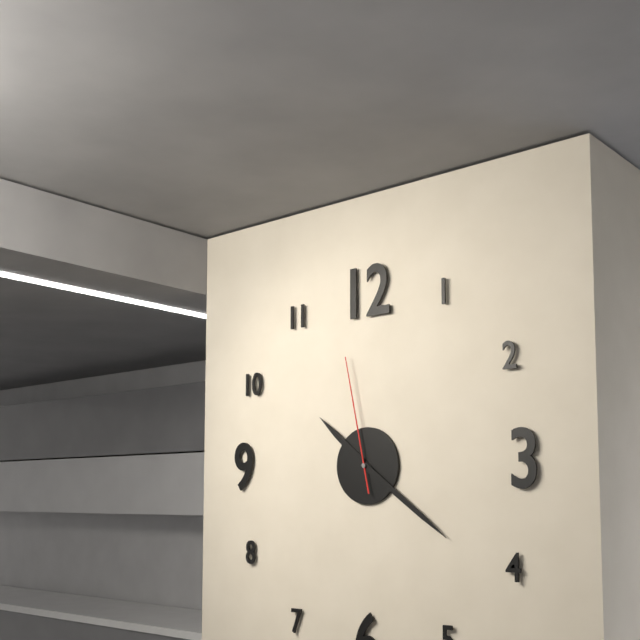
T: **10:21:58**
